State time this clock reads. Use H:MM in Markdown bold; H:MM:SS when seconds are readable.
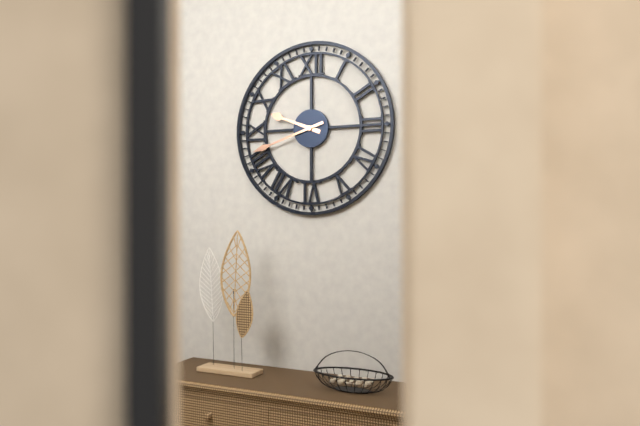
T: **9:42**
